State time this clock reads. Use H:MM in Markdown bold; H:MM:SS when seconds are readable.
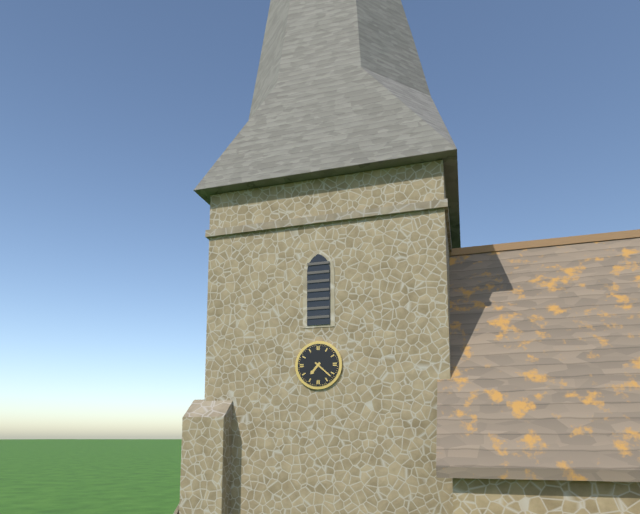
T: **7:22**
